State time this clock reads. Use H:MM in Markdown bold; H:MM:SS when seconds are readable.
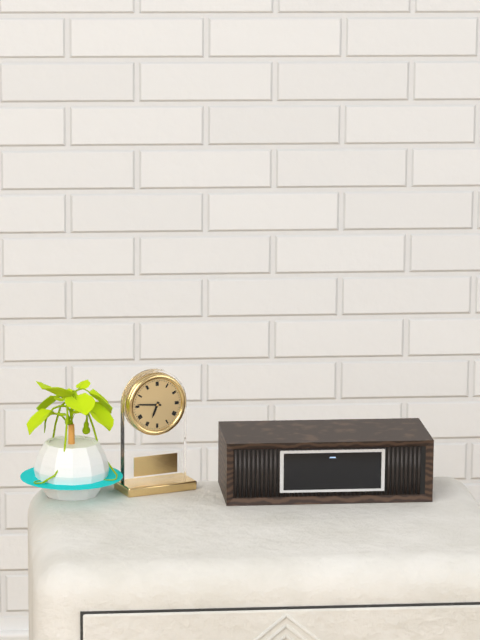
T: **6:46**
